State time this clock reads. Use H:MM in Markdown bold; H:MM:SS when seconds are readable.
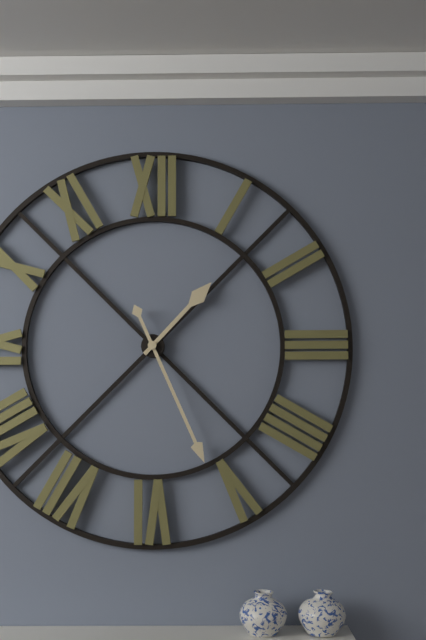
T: **1:26**
